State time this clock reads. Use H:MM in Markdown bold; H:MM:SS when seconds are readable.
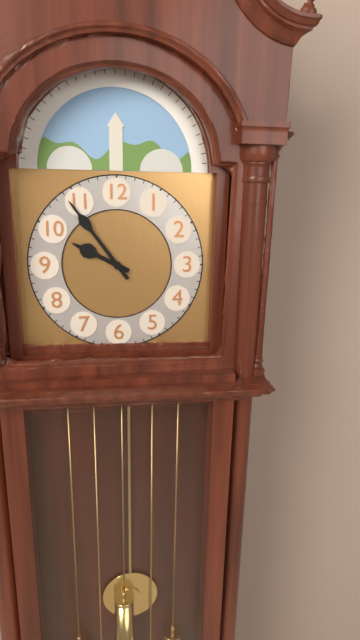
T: **9:54**
